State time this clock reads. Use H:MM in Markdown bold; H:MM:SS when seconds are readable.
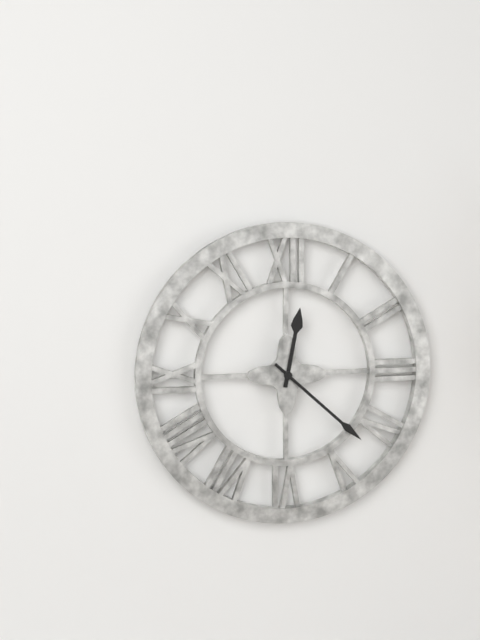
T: **12:22**
